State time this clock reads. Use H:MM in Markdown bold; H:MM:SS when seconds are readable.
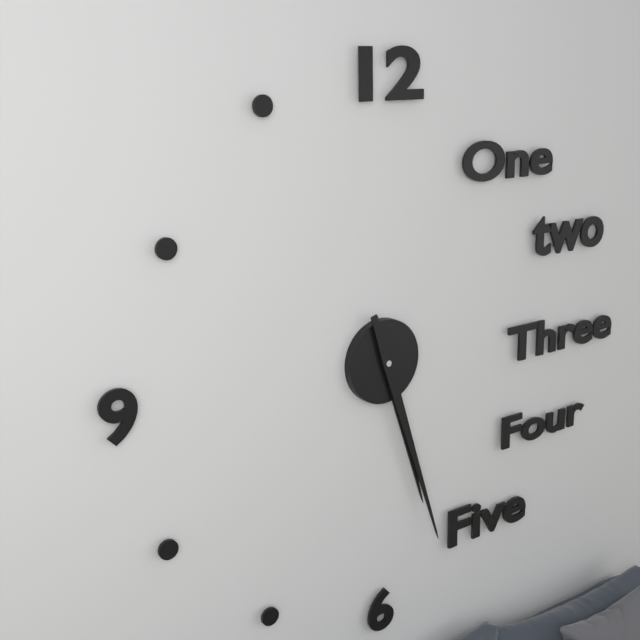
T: **5:27**
